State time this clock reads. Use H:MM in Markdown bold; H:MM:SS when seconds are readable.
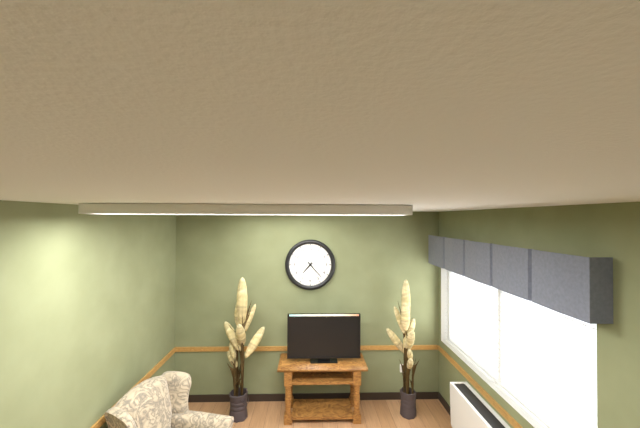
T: **7:23**
